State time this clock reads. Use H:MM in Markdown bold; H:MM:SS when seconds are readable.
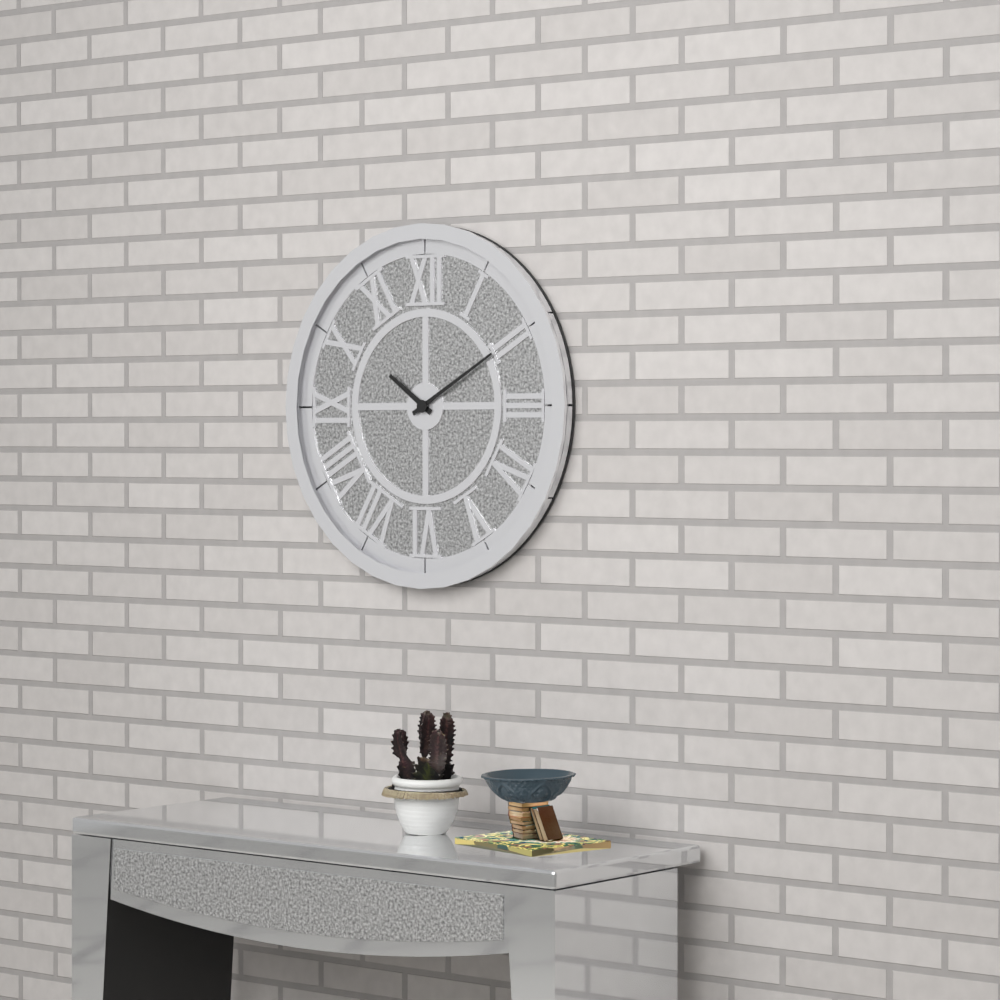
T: **10:10**
